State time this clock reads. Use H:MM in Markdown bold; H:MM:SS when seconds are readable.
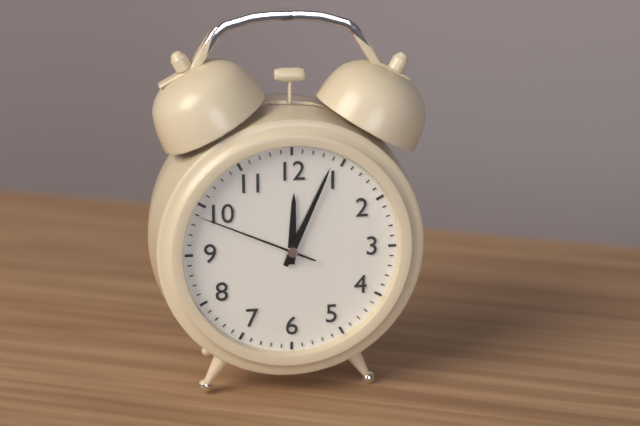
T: **12:04:49**
